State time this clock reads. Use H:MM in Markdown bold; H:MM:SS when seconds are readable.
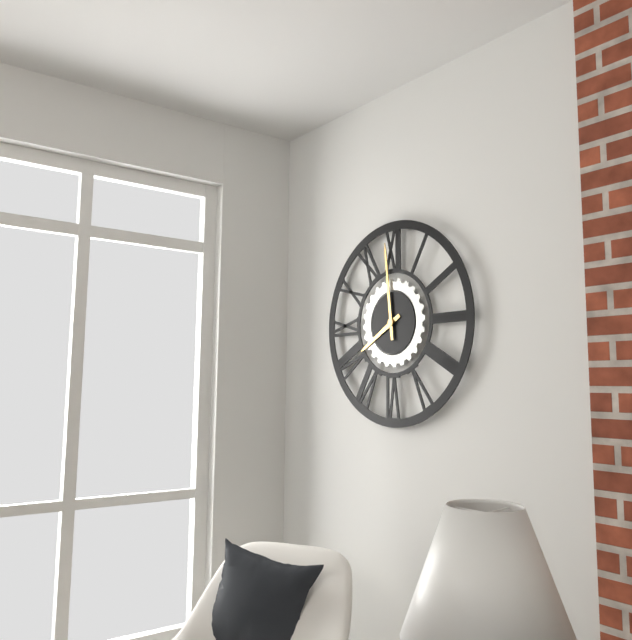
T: **7:59**
